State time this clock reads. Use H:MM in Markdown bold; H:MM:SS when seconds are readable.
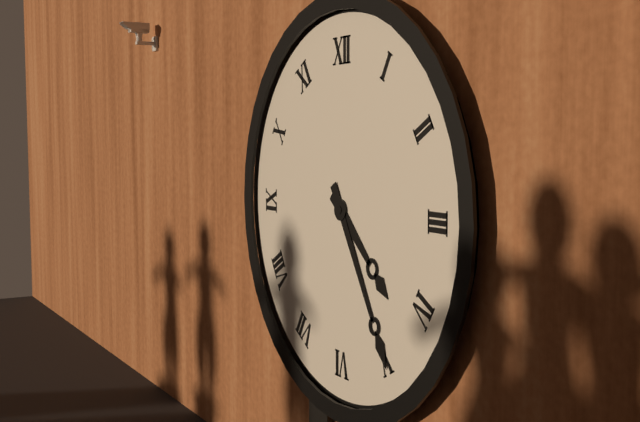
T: **4:25**
